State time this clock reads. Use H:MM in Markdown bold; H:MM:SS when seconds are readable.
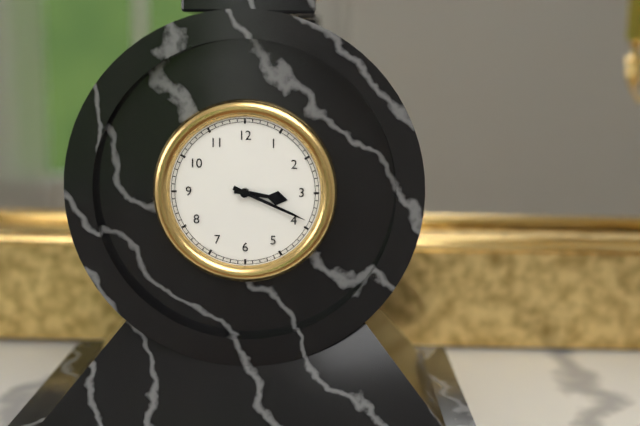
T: **3:19**
